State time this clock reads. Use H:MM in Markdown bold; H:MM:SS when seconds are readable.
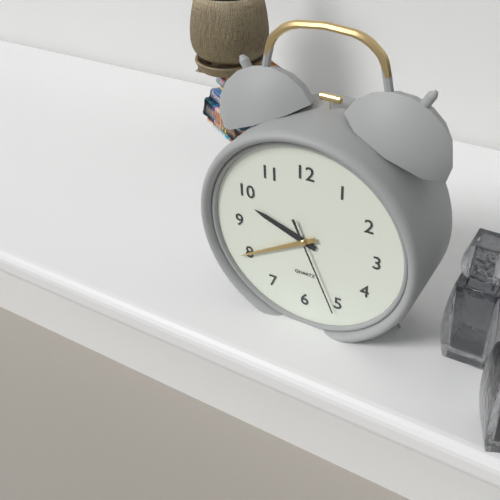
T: **9:40:26**
